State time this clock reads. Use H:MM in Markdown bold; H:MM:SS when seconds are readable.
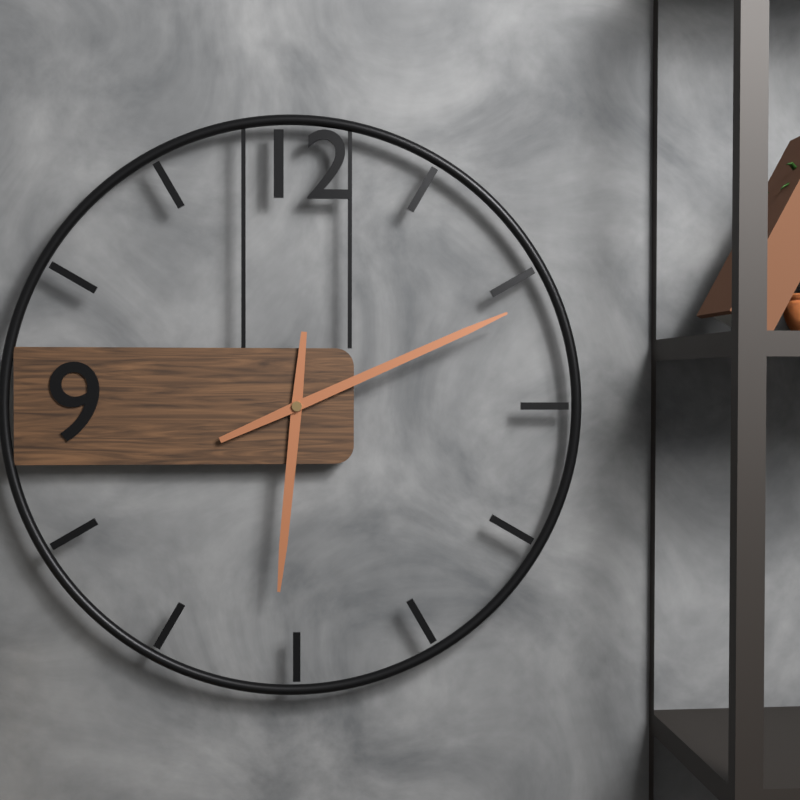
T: **6:11**
